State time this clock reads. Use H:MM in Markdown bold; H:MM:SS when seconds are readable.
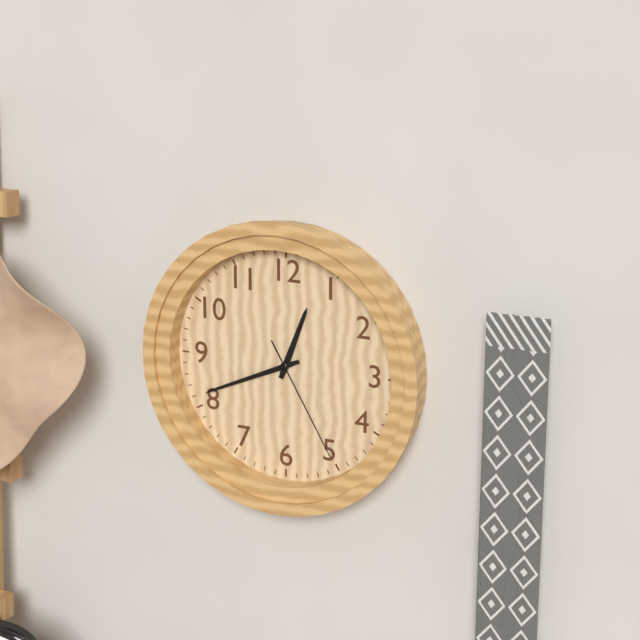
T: **12:41:25**
